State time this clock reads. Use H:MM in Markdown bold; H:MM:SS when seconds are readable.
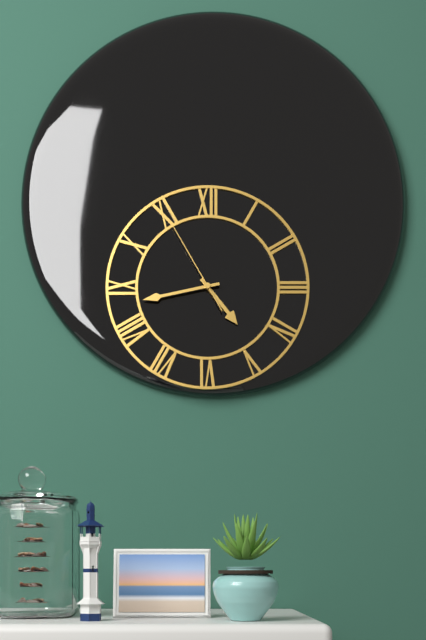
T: **4:43:55**
